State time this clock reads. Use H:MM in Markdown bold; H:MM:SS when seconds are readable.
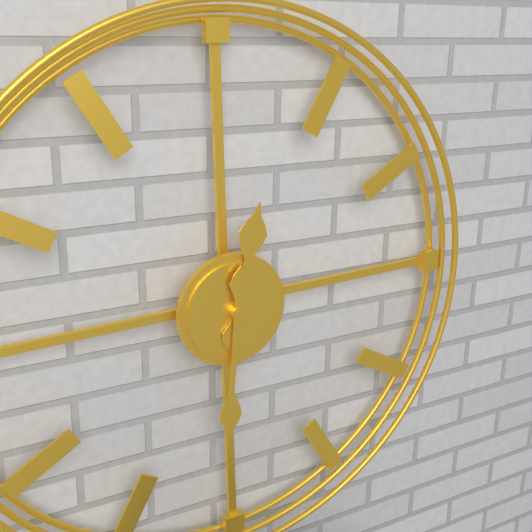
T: **12:31**
